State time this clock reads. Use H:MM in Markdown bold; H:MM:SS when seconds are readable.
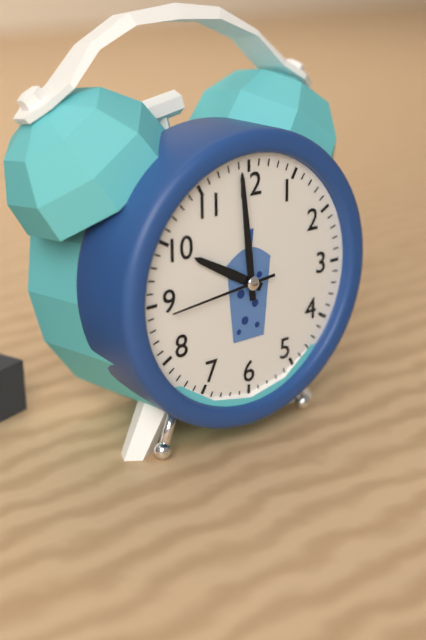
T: **9:59:44**
